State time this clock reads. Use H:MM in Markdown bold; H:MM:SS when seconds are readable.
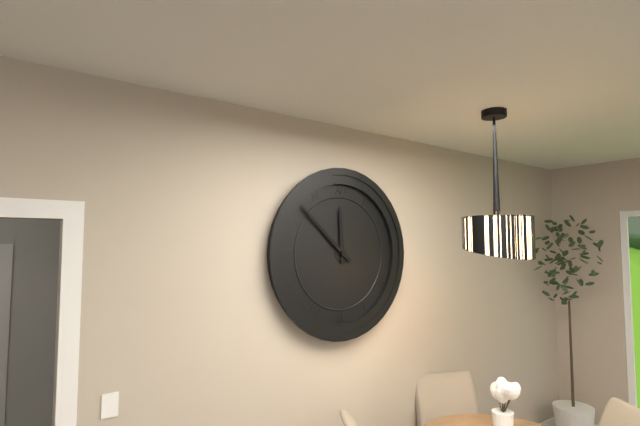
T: **11:52**
